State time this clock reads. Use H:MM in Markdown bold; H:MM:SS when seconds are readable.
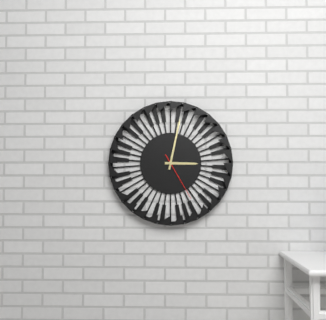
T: **3:02:25**
